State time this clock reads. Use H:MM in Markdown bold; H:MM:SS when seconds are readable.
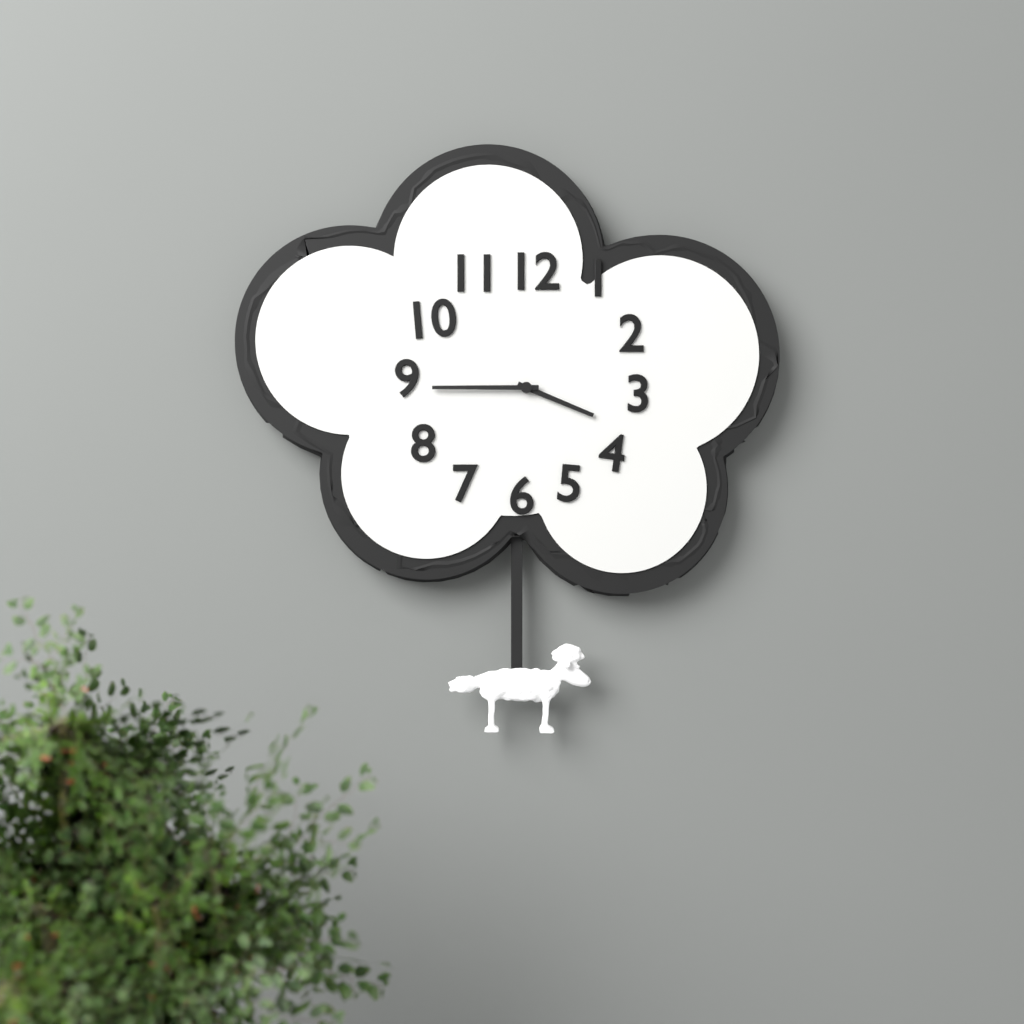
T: **3:45**
